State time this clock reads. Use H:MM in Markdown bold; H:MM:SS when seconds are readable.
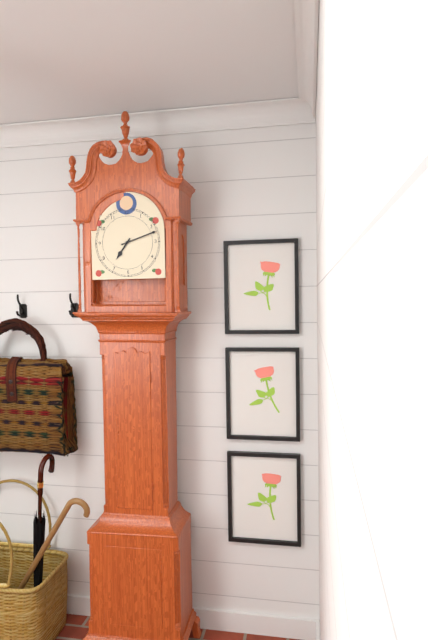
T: **7:12**
